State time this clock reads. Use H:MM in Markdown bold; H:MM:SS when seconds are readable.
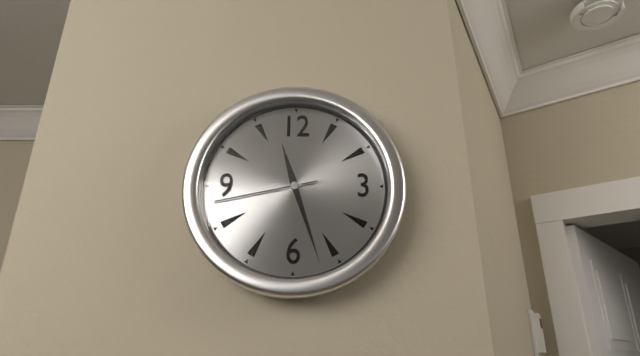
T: **11:27:43**
